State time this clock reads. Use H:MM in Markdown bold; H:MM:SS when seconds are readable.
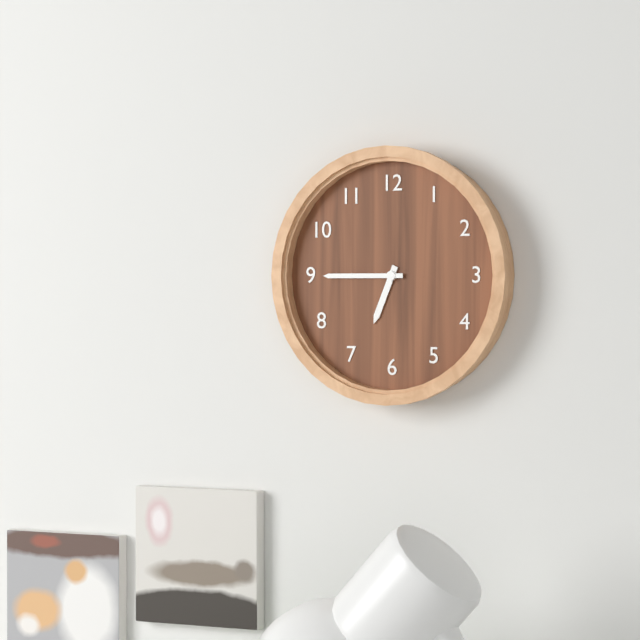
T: **6:45**
